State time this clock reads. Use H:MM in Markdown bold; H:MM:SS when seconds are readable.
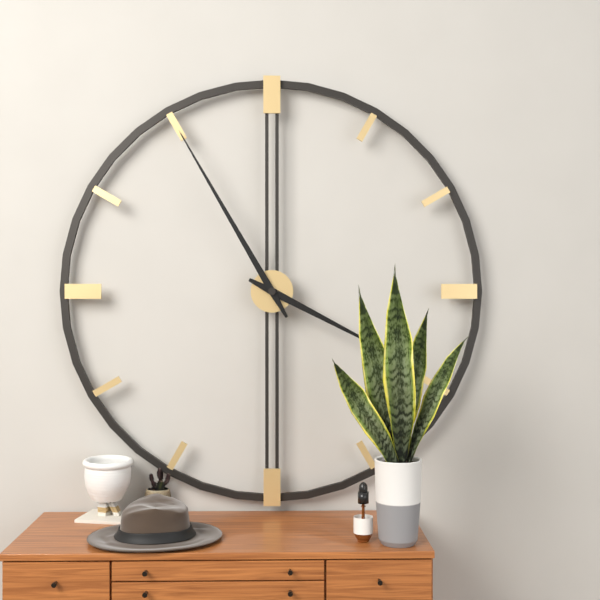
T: **3:55**
